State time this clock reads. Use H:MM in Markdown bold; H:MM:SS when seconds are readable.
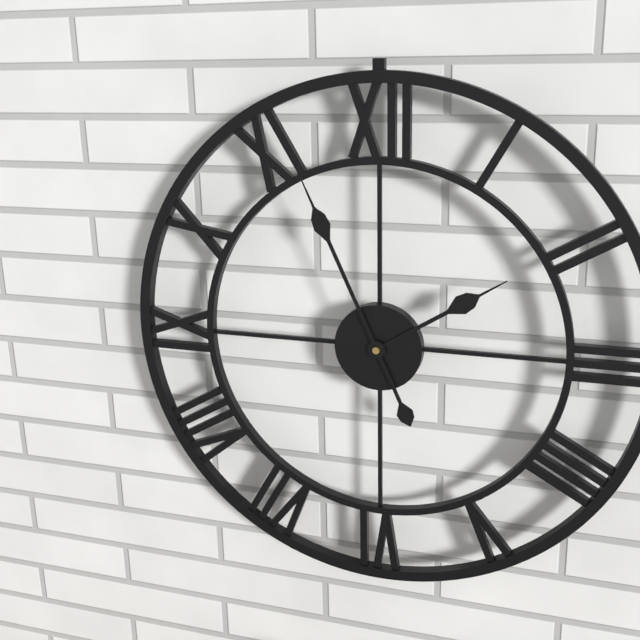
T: **1:56**
